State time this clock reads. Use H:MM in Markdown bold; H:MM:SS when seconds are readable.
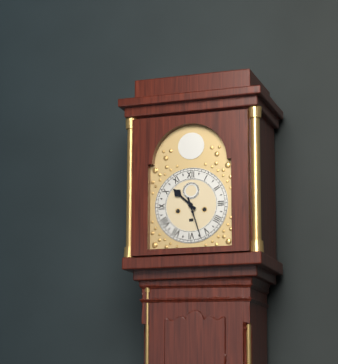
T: **10:27**
